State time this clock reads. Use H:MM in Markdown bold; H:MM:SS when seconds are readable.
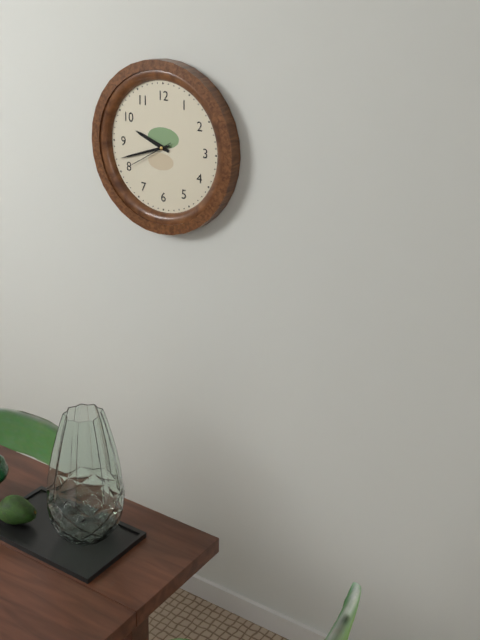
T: **9:42**
